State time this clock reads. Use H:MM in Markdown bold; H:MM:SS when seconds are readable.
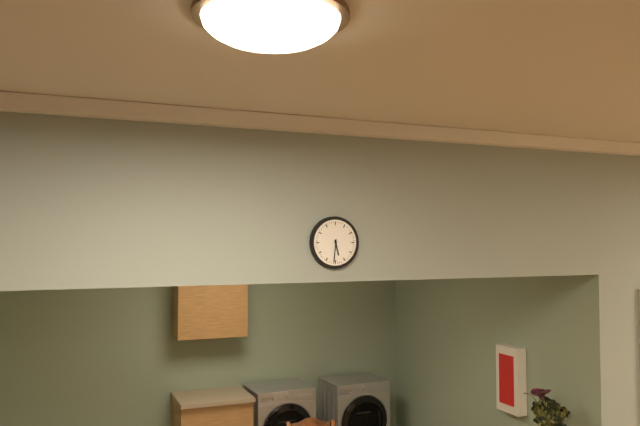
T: **5:31**
